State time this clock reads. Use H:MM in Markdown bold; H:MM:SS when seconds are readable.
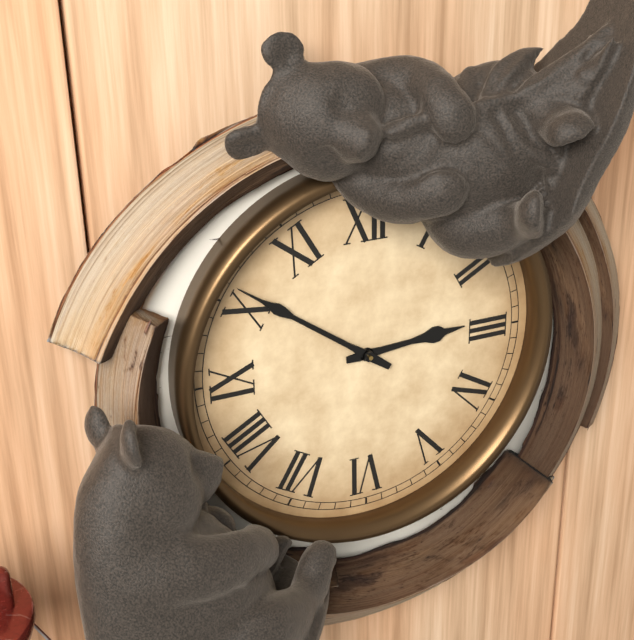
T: **2:51**
